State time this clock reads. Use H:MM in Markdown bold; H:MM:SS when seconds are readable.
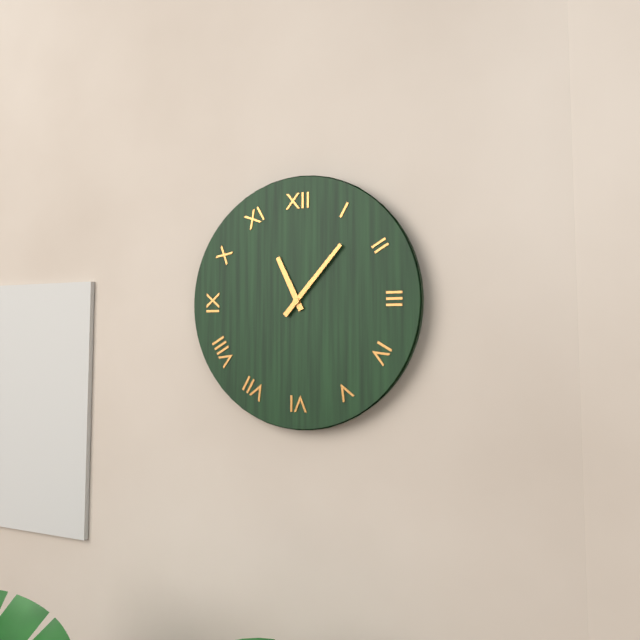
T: **11:07**
